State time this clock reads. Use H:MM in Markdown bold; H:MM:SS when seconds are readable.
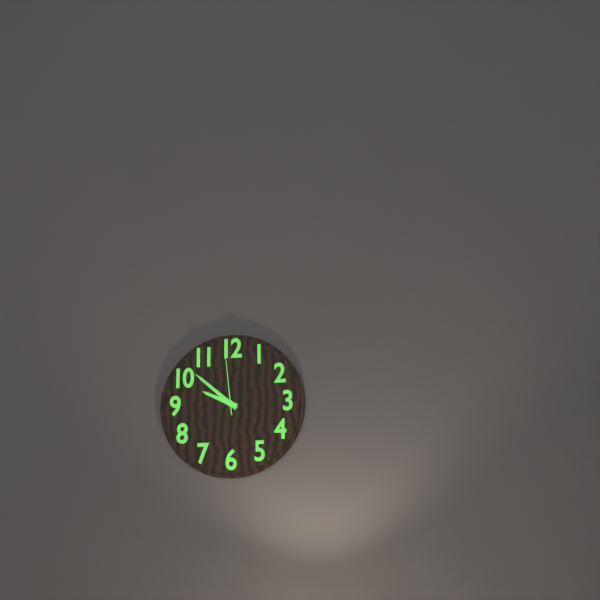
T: **9:52:59**
